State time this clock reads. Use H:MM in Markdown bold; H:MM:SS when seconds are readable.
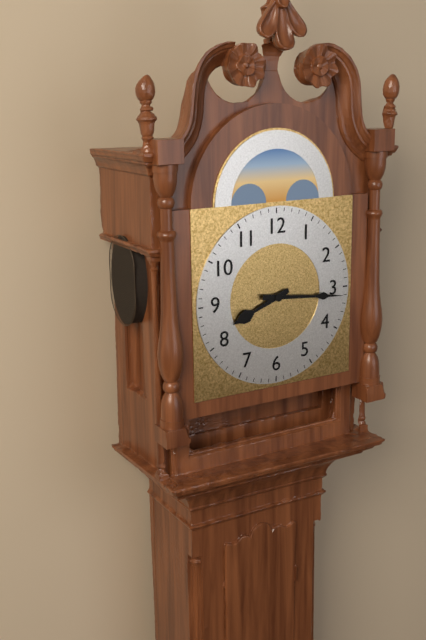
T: **8:16**
